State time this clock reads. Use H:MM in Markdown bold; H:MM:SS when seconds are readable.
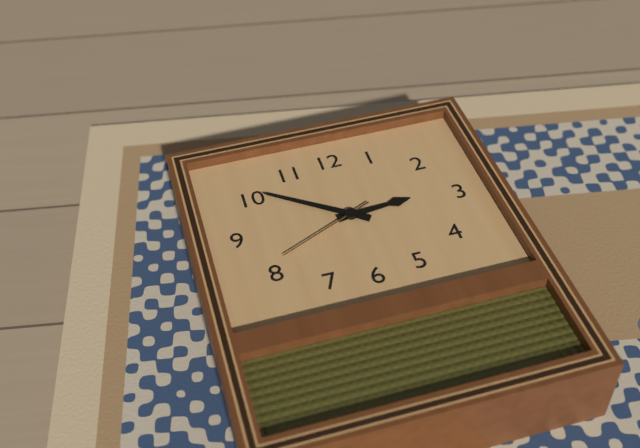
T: **2:51:41**
